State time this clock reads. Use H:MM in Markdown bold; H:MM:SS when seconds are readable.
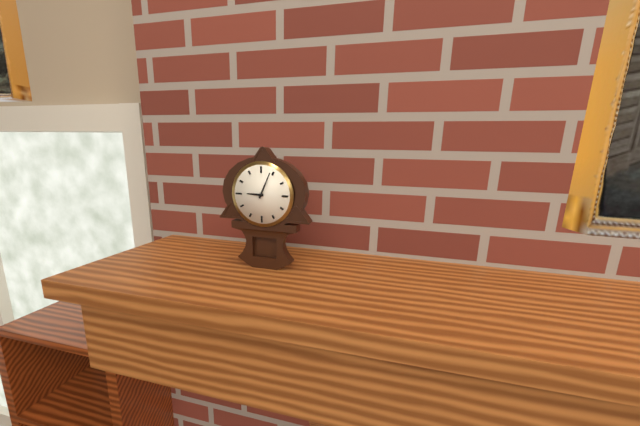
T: **9:04**
